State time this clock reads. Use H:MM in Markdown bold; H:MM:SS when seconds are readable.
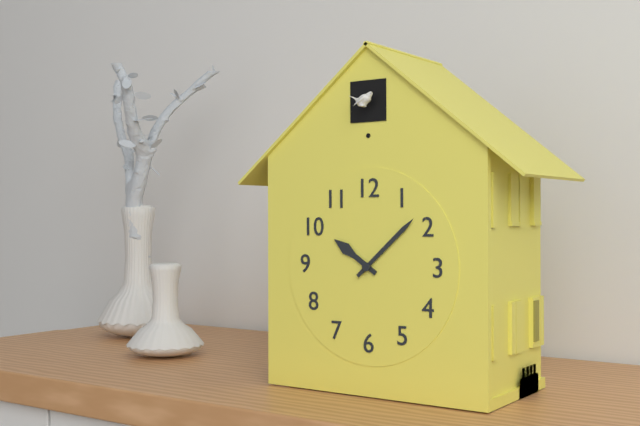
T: **10:08**
